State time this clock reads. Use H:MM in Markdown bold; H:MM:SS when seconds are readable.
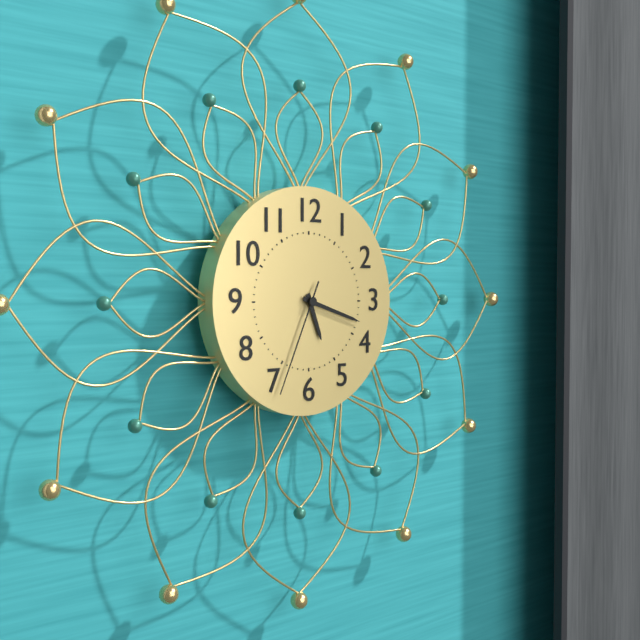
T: **5:18:34**
